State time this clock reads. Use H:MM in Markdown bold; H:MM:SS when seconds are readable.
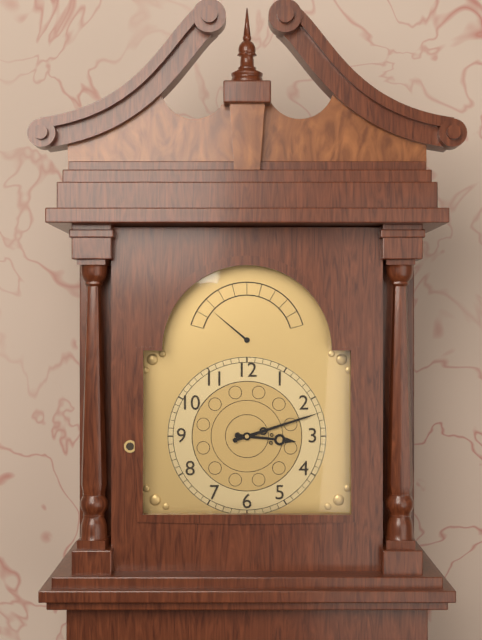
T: **3:12**
